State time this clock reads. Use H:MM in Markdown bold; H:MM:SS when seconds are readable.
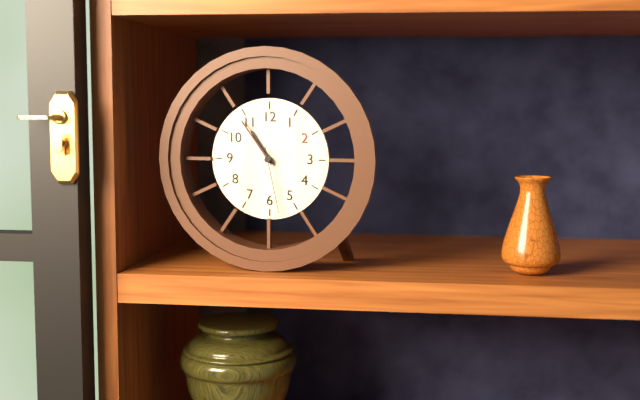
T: **10:54:28**
